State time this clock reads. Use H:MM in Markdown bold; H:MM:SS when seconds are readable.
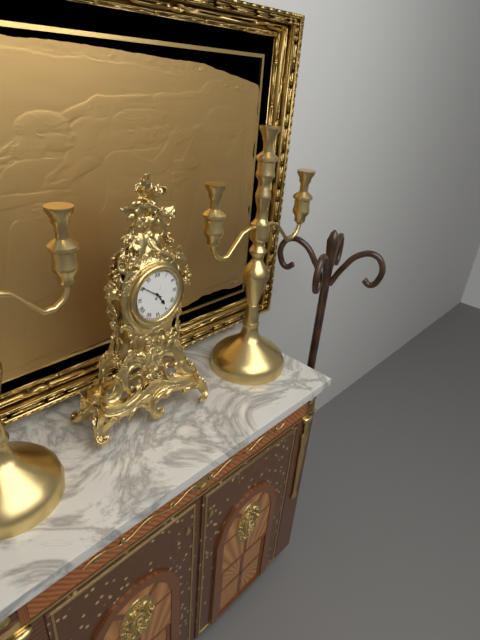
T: **4:51**
